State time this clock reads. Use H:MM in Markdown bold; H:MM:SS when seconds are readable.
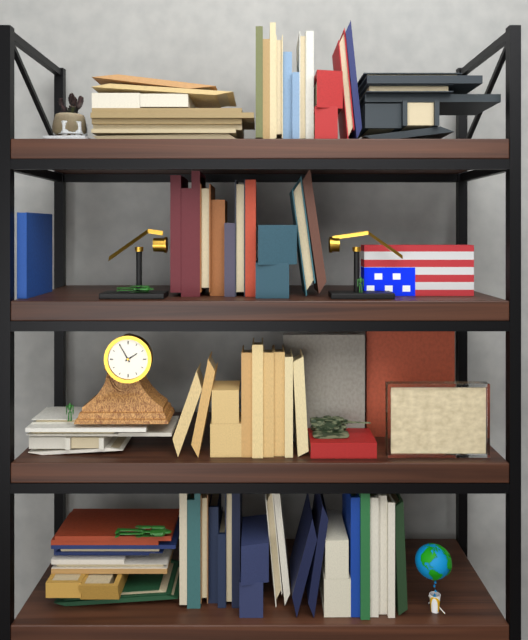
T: **1:55**
